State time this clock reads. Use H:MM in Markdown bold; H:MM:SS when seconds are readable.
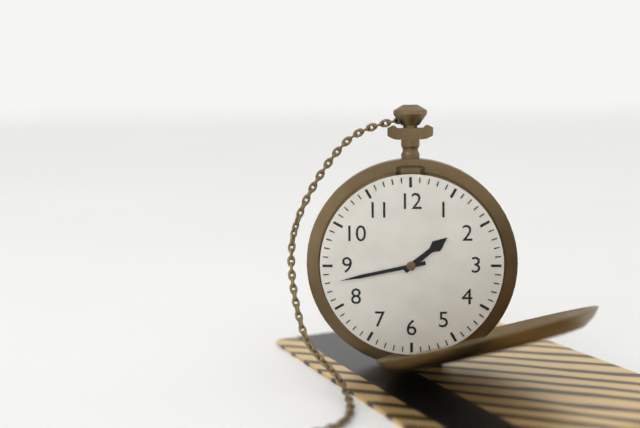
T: **1:43**
